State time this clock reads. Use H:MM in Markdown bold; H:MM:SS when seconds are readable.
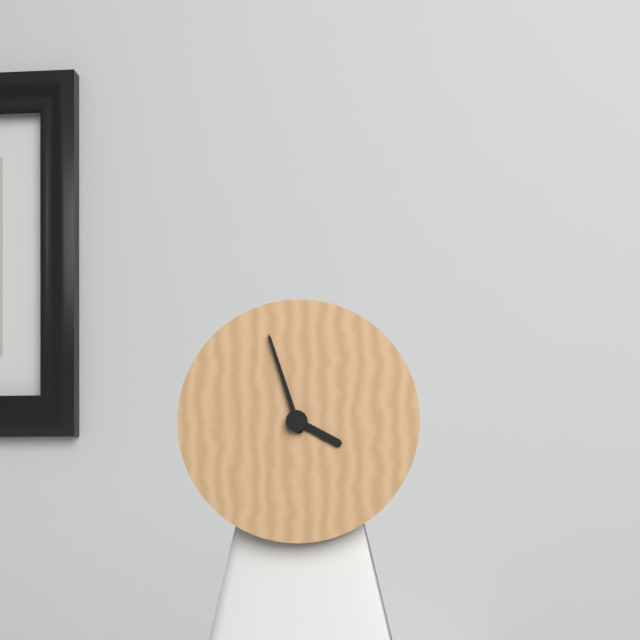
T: **3:57**
